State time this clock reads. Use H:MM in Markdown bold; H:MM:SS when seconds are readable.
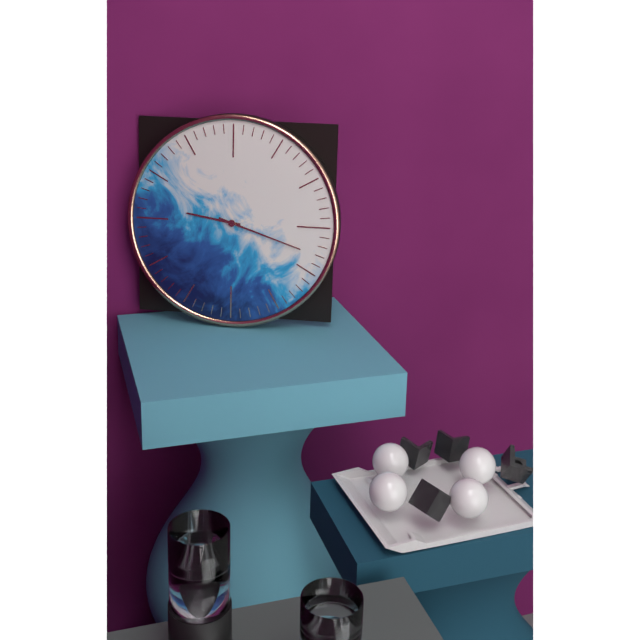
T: **9:18**
